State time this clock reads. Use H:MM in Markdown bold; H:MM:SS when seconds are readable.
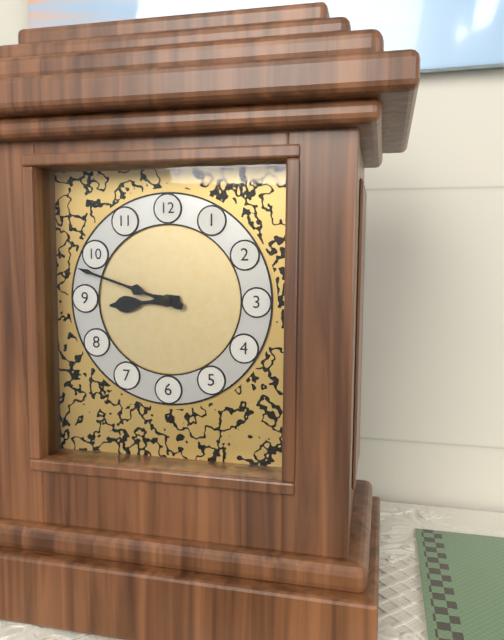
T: **8:48**
